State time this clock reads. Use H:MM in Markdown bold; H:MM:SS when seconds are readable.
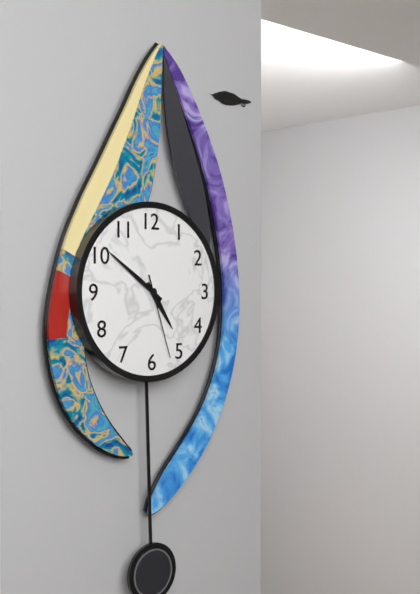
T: **4:51:27**
